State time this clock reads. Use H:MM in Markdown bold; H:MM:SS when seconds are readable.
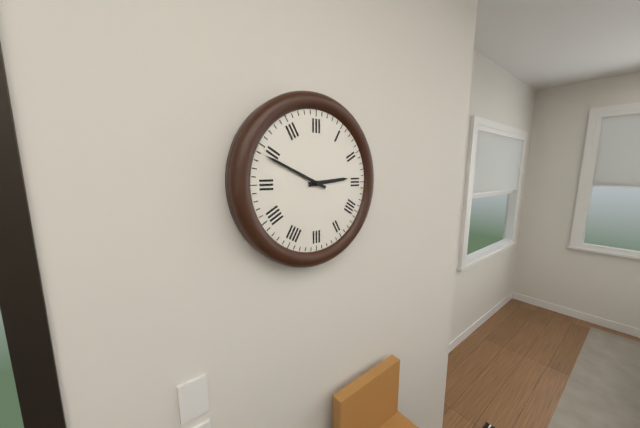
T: **2:49**
